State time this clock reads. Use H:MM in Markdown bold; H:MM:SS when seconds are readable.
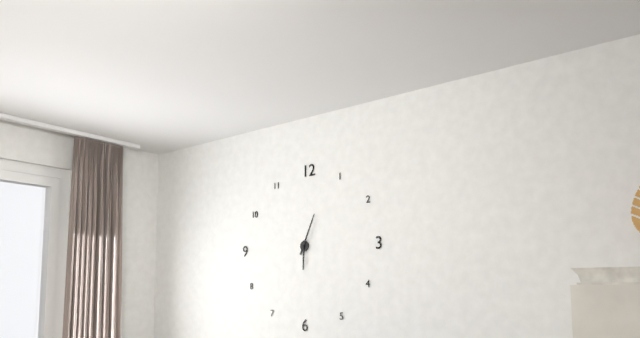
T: **6:04**
